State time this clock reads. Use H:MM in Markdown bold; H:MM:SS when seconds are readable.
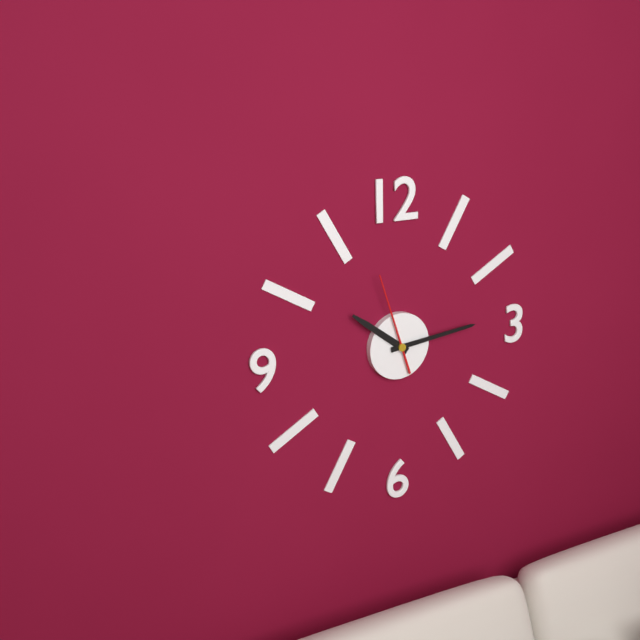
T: **10:14:57**
